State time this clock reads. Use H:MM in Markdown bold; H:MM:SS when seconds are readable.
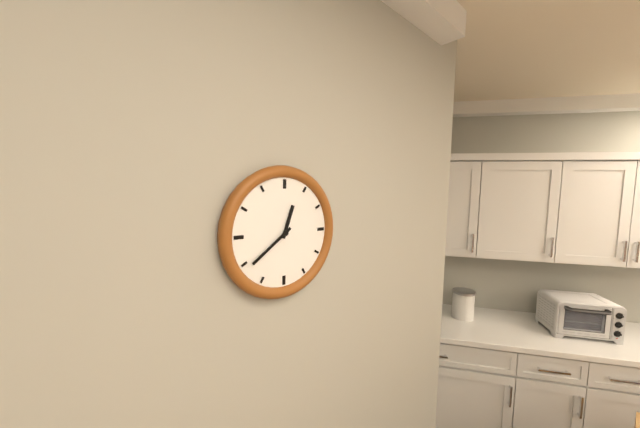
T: **12:39**
